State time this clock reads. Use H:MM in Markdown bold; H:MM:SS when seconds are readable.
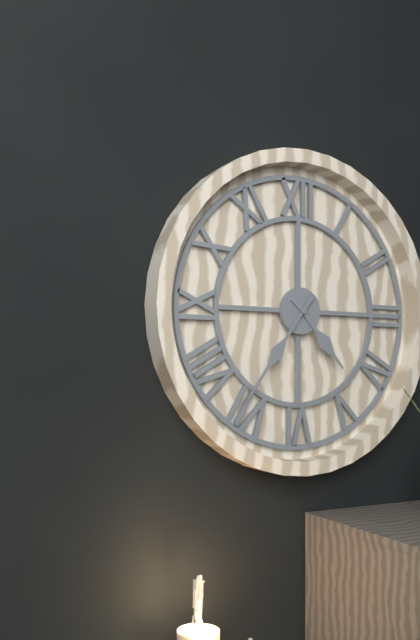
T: **4:36**
